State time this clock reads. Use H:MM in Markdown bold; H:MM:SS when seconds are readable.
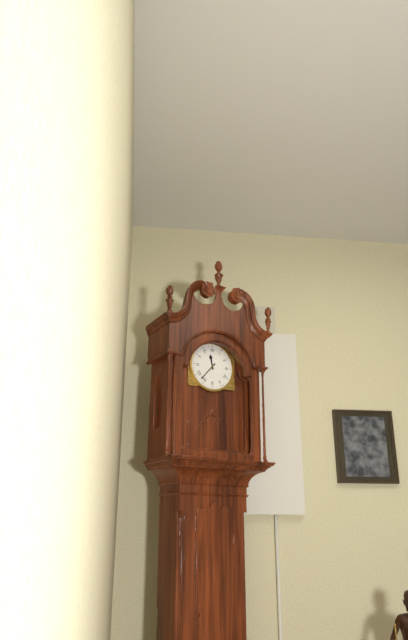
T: **11:37**
